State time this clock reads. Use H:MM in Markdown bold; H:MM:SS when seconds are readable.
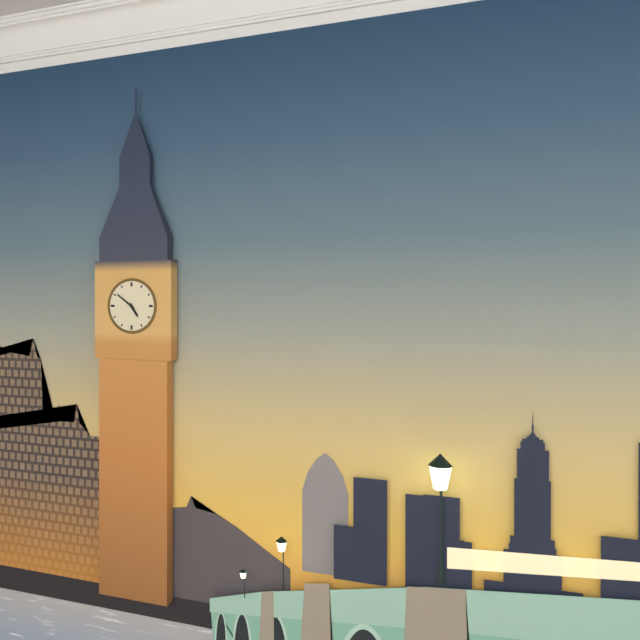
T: **4:51**
